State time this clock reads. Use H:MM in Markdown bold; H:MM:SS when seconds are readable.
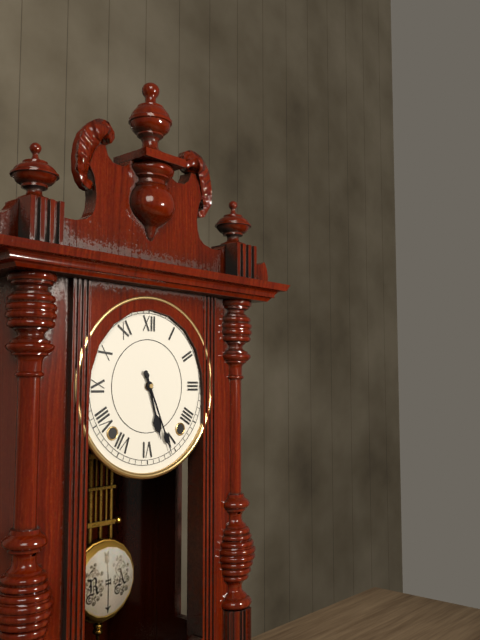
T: **5:26**
